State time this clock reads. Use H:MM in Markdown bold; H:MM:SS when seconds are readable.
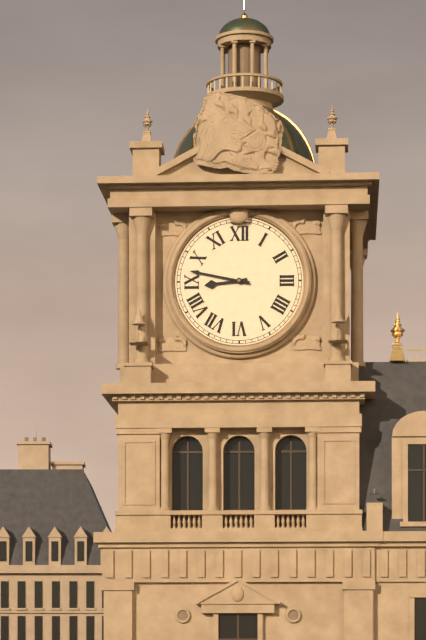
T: **8:47**
